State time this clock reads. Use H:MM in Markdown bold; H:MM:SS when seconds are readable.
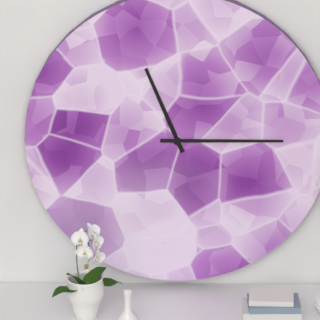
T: **11:15**
